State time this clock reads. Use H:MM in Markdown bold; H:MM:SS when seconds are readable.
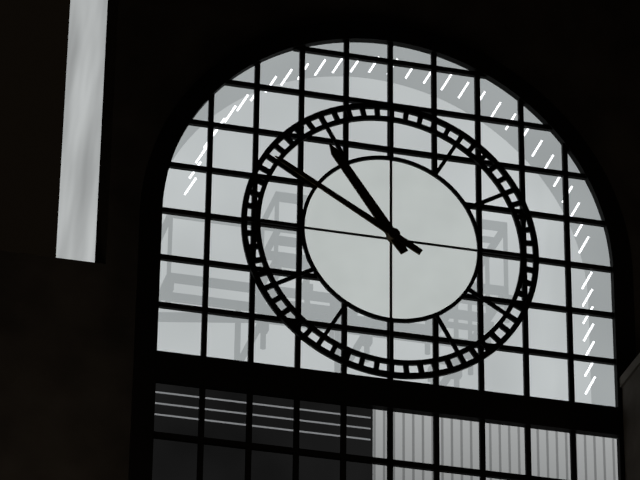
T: **10:50**
